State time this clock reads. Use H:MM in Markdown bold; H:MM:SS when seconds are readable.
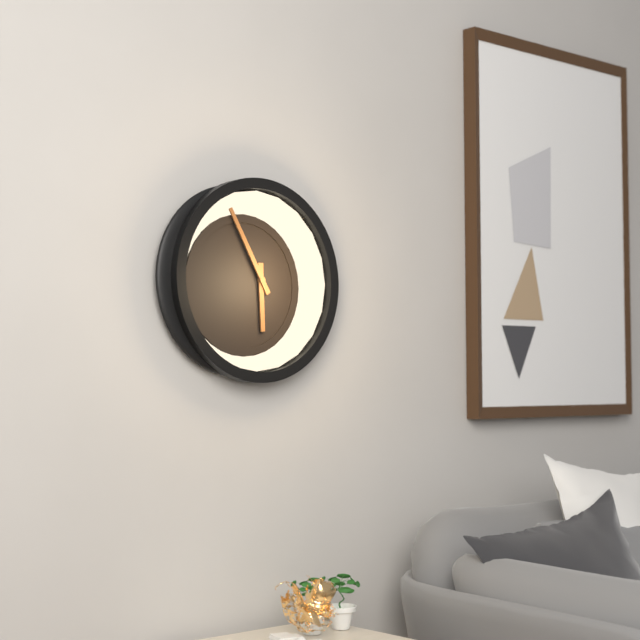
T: **5:55**
